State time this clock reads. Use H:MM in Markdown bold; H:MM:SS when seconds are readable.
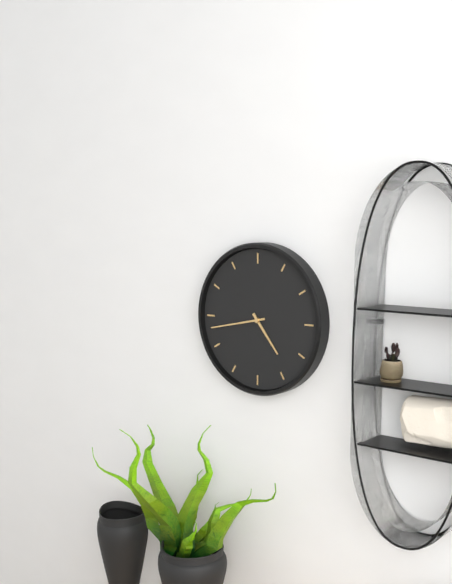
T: **4:43**
